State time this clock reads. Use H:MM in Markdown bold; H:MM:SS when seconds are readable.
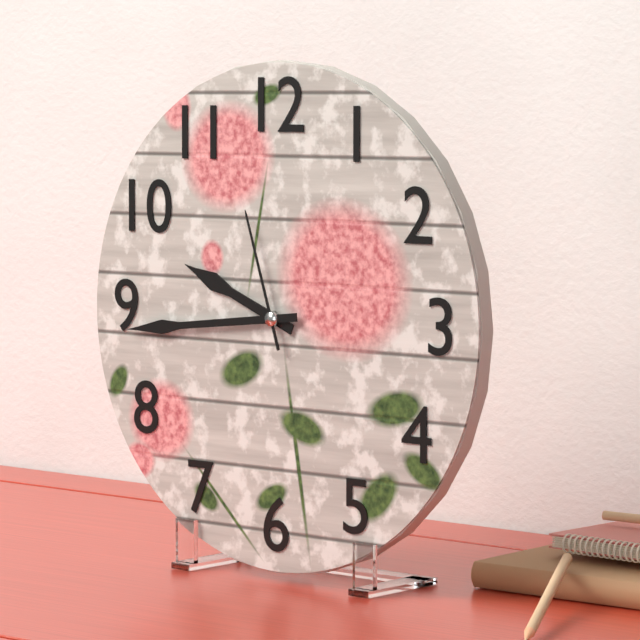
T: **9:44:57**
